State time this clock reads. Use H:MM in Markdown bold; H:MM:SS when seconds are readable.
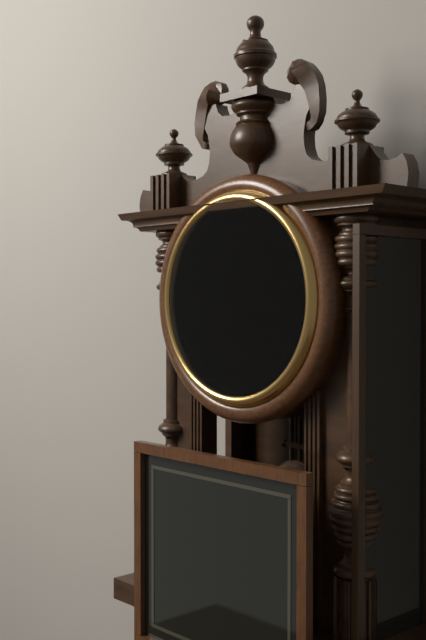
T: **11:39**
